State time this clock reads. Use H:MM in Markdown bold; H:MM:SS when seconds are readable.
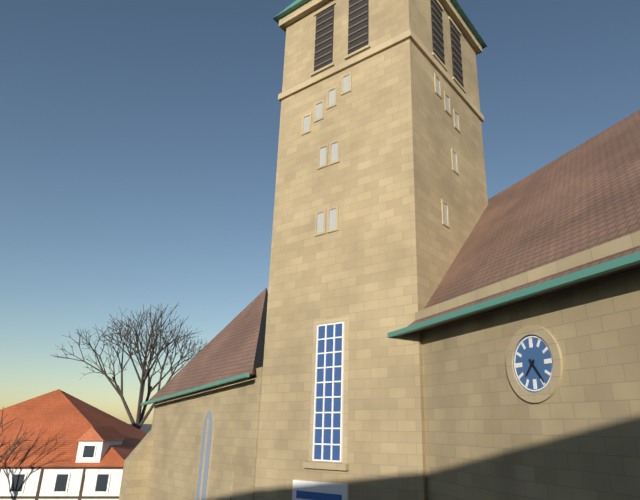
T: **7:24**
